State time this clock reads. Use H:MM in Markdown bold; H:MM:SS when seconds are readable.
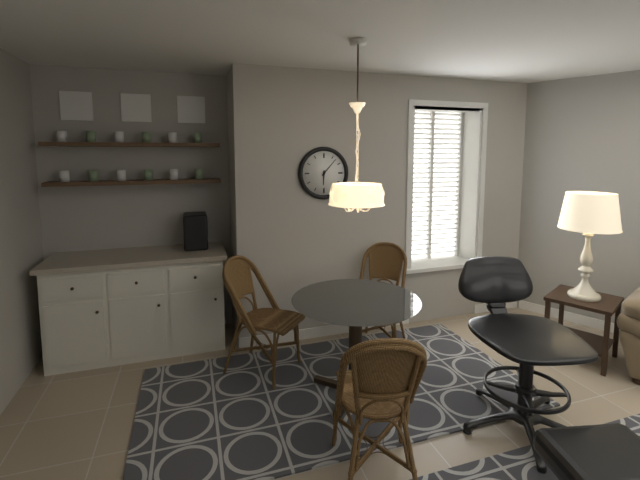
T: **6:07**
